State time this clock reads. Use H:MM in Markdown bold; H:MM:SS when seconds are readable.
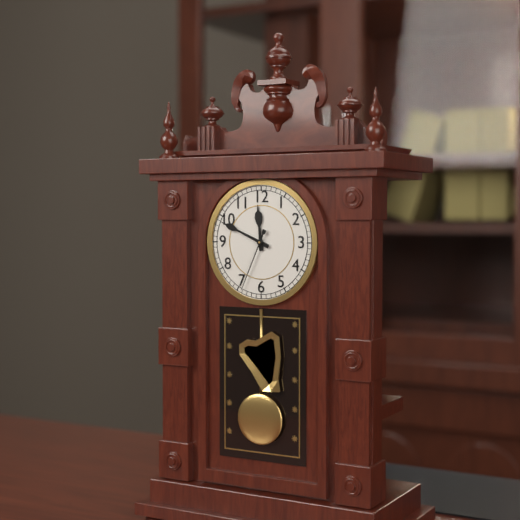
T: **11:49:34**
